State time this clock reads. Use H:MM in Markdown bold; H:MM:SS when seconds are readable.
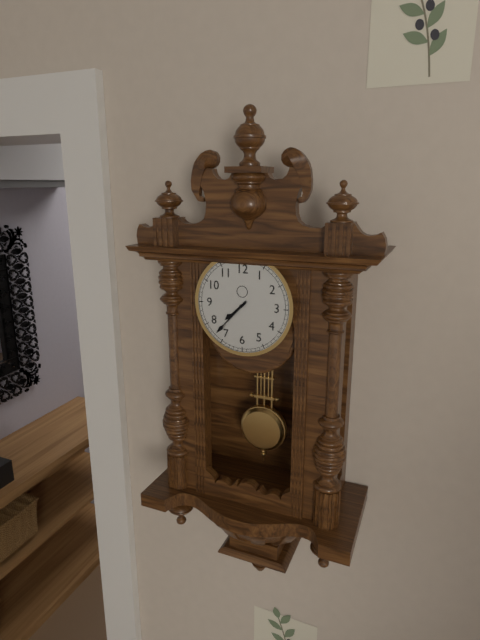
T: **7:37**
